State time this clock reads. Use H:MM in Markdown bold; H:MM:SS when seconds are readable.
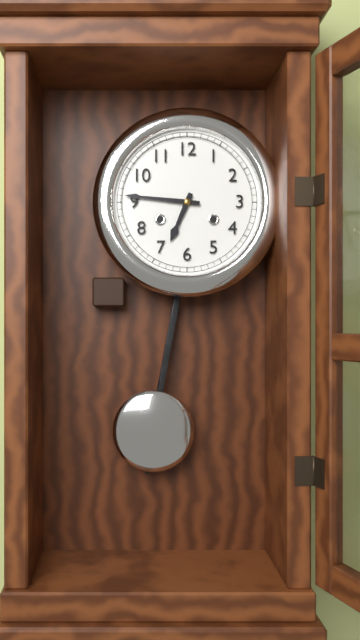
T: **6:46**
